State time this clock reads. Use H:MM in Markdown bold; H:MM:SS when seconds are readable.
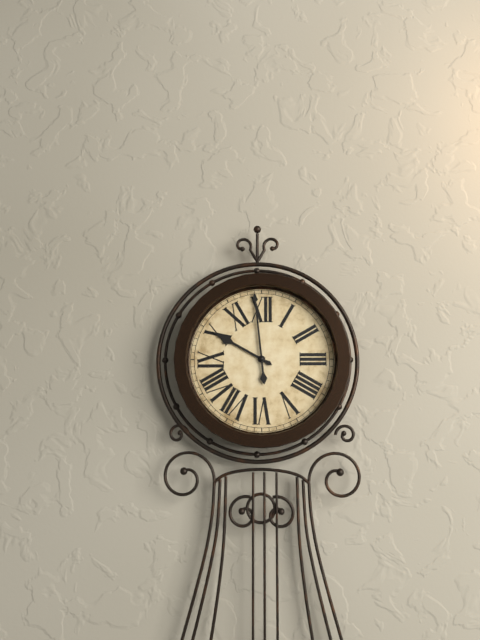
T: **9:59**
